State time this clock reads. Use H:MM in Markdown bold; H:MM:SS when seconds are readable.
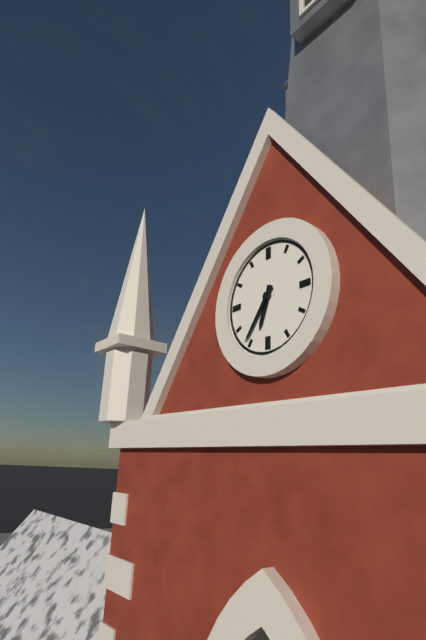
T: **6:36**
